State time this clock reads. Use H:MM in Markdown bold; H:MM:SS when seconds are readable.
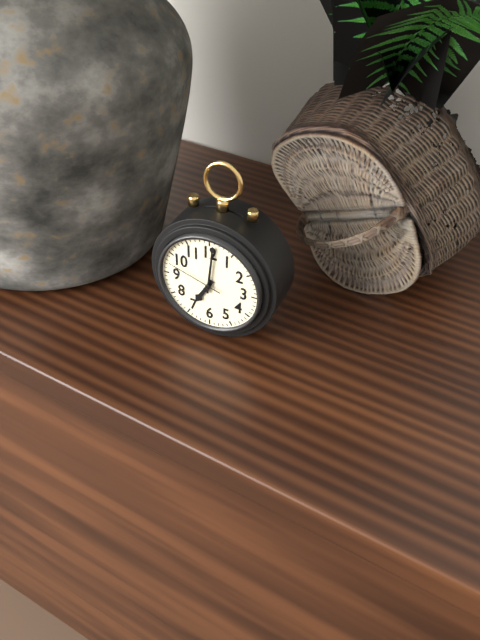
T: **7:01:48**
